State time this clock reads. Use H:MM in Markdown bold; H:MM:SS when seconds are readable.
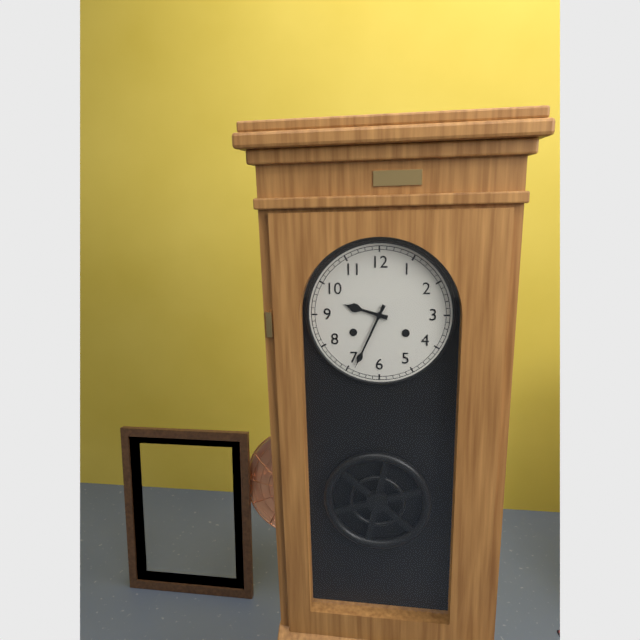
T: **9:34**
